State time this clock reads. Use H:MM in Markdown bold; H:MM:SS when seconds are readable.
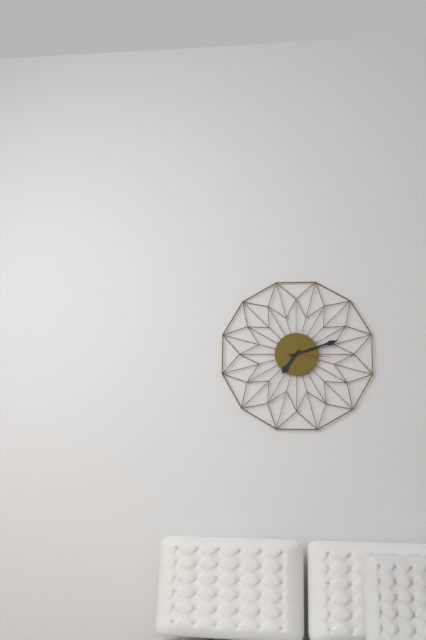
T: **7:12**
